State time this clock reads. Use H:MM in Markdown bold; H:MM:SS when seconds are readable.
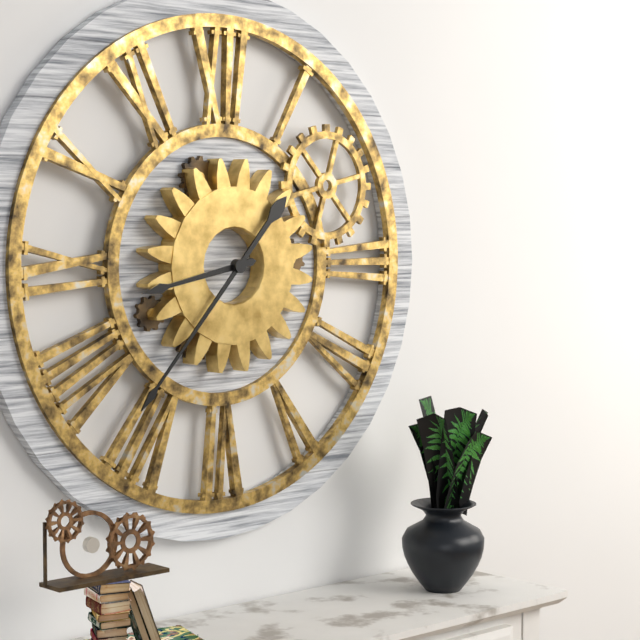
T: **8:37**
